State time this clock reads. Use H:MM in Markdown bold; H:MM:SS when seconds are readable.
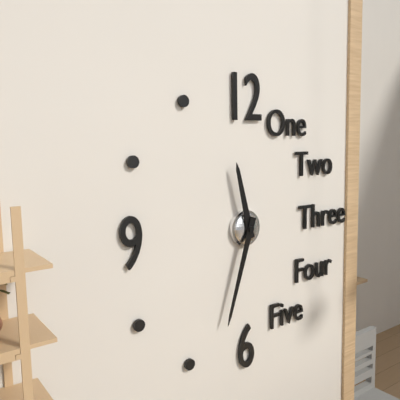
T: **11:33**
